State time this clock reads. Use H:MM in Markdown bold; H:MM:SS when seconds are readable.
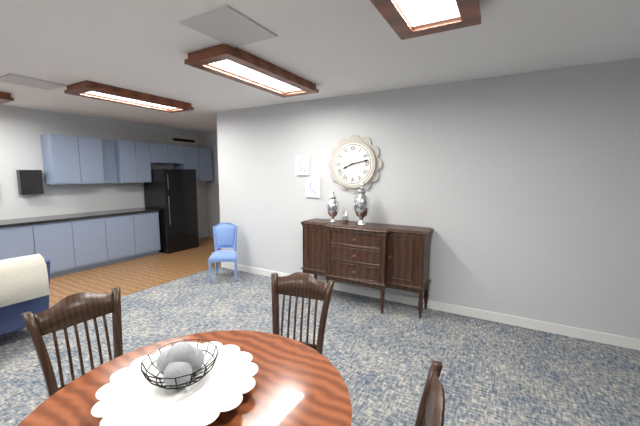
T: **8:13**
